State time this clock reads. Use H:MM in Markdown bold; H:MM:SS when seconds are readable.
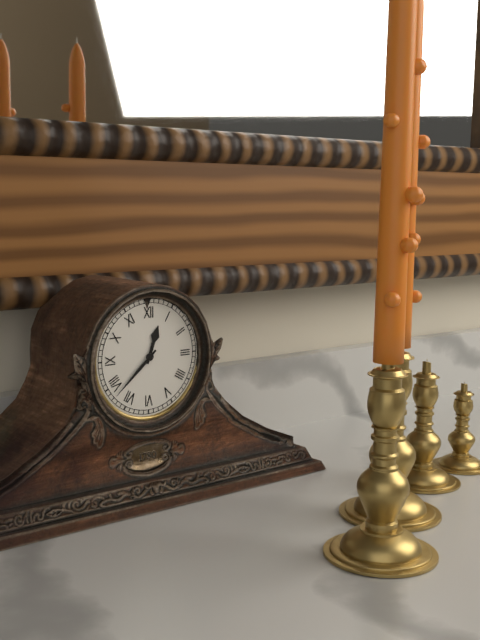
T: **12:38**
